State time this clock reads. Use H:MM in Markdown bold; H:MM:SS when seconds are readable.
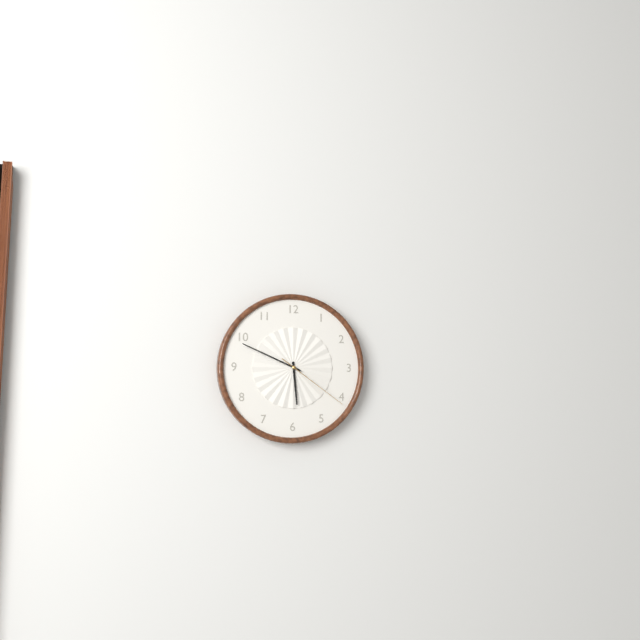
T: **5:49:21**
